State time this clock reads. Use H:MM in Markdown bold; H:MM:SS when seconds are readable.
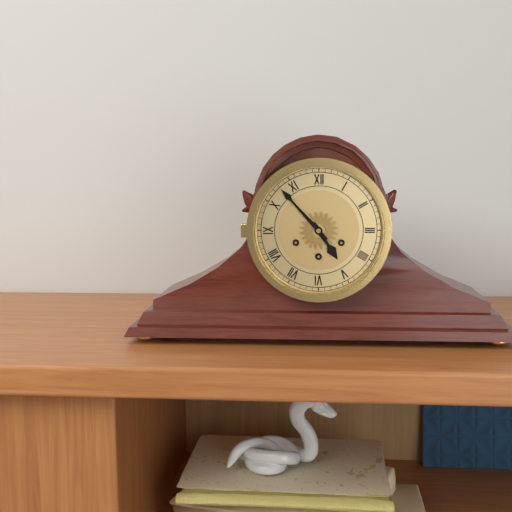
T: **4:53**
